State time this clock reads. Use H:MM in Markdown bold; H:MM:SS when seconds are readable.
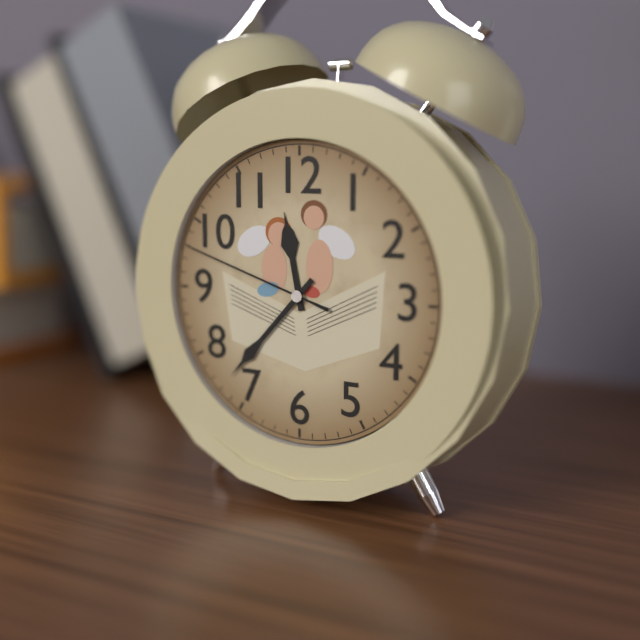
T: **11:37:48**
